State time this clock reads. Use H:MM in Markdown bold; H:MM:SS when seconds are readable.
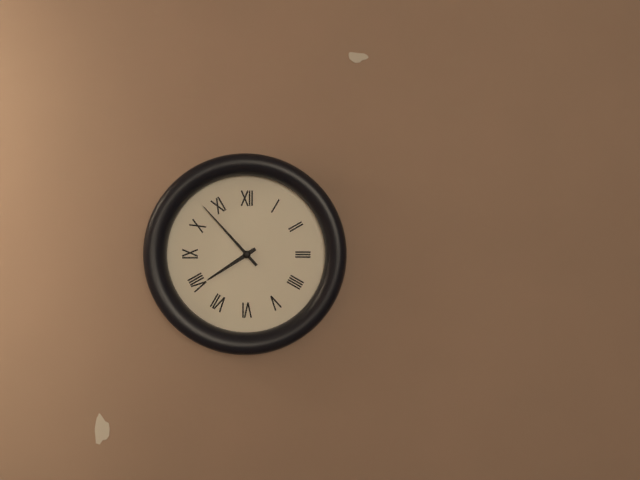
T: **7:53**
